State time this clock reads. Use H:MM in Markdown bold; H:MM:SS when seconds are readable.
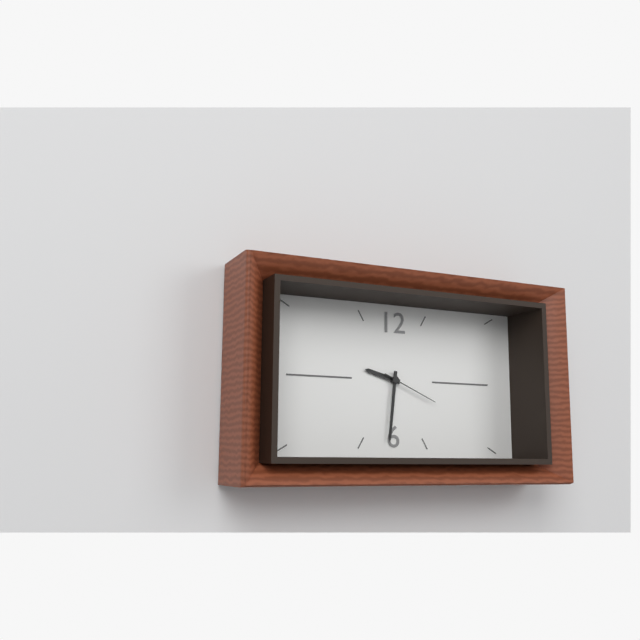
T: **9:31:19**
